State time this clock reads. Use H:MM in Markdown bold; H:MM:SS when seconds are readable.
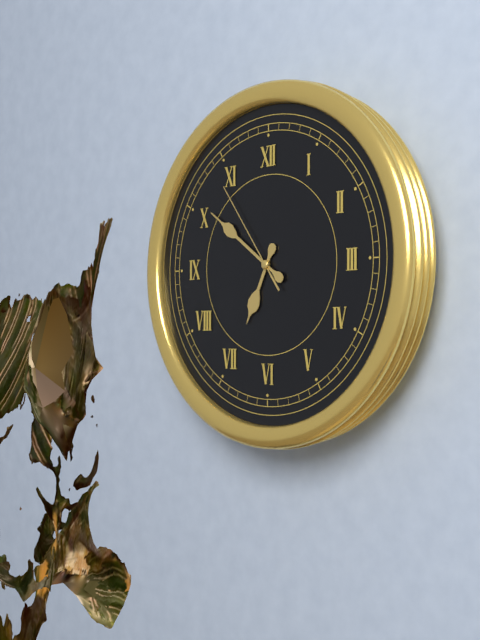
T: **6:51:54**
